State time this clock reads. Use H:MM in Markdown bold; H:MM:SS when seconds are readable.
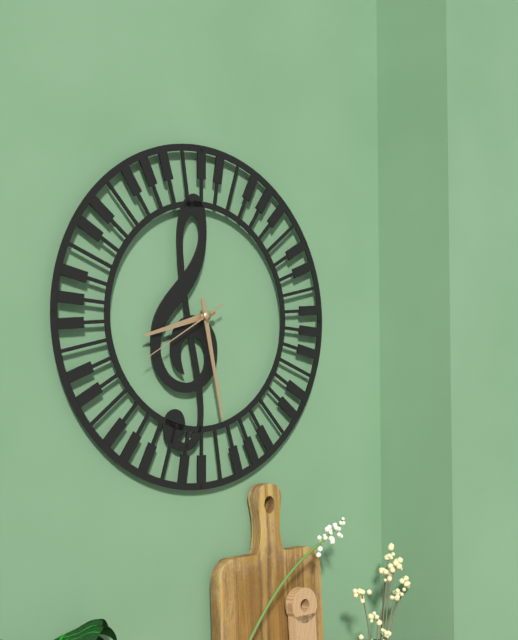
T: **8:28:40**
